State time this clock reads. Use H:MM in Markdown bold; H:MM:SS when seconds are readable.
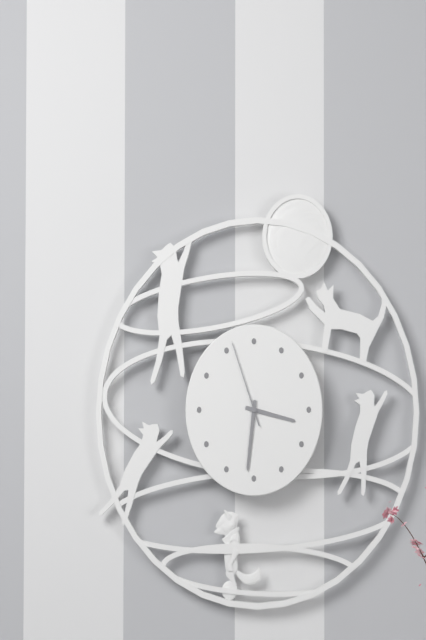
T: **3:31:57**
